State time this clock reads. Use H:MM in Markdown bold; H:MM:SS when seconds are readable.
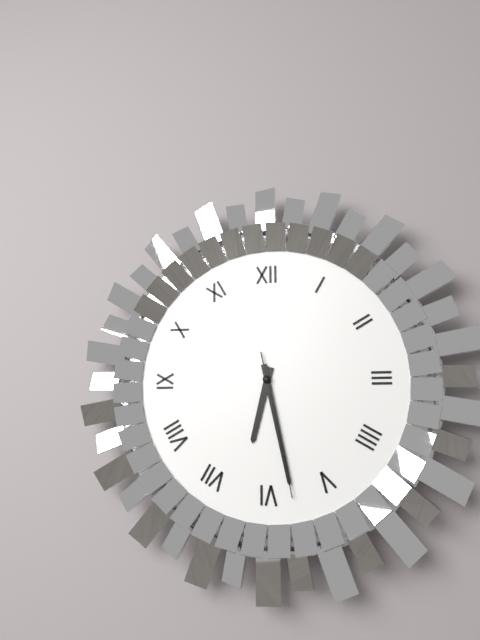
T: **6:28:28**
